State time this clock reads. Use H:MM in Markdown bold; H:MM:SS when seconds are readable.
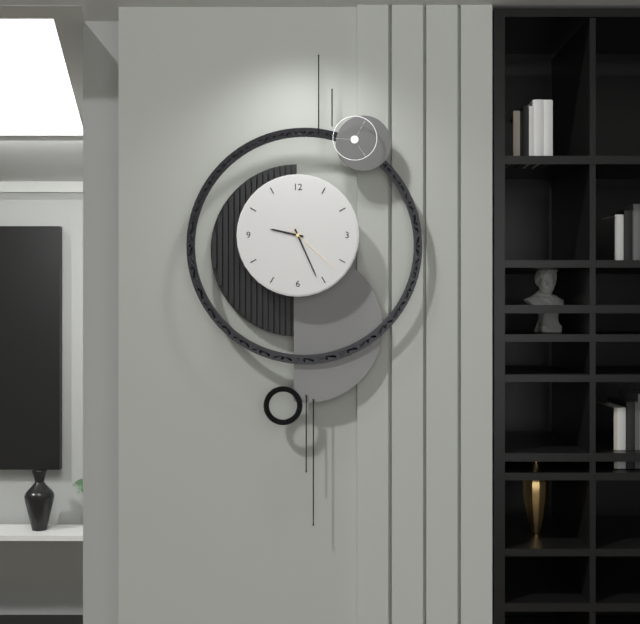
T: **9:26:22**
